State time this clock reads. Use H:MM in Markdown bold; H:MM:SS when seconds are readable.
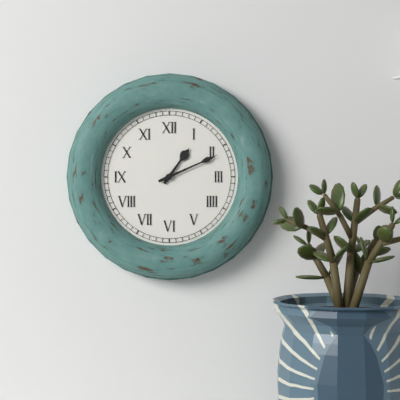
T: **1:11**
